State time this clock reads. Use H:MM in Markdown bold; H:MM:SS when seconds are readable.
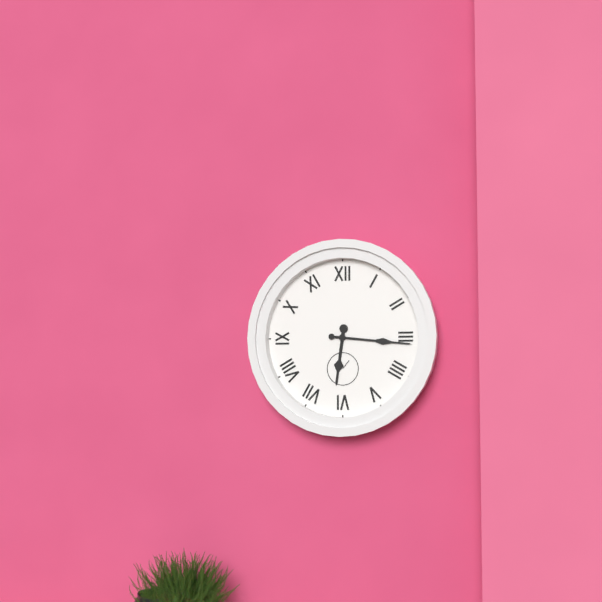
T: **6:16**
